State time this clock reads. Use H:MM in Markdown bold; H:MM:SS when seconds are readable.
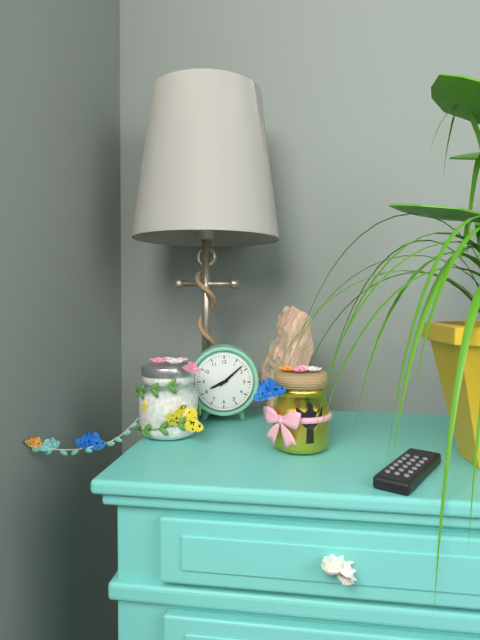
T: **8:08**
